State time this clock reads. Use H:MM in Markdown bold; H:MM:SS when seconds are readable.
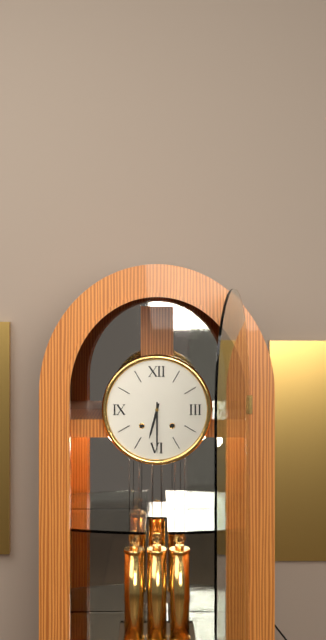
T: **6:30**
